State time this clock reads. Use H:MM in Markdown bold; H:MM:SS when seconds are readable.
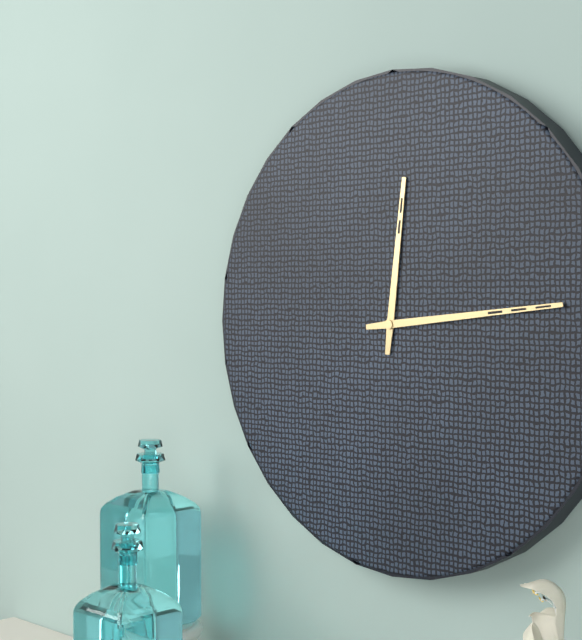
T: **12:14**
